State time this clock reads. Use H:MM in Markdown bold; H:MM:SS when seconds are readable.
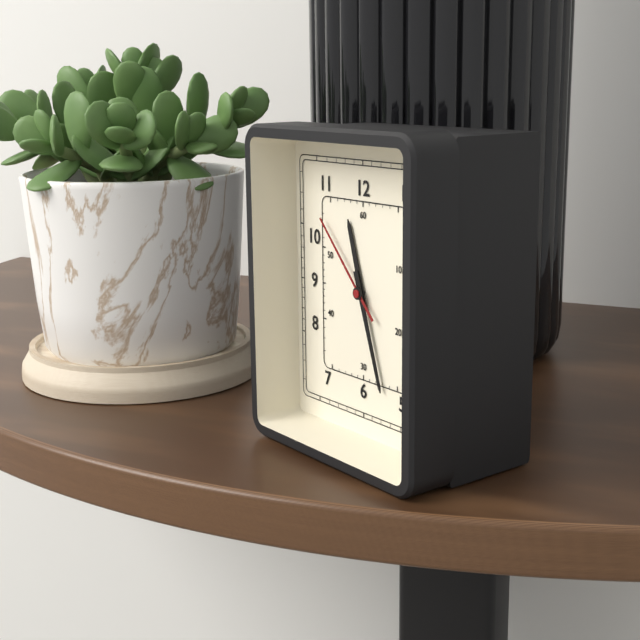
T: **11:27:53**
